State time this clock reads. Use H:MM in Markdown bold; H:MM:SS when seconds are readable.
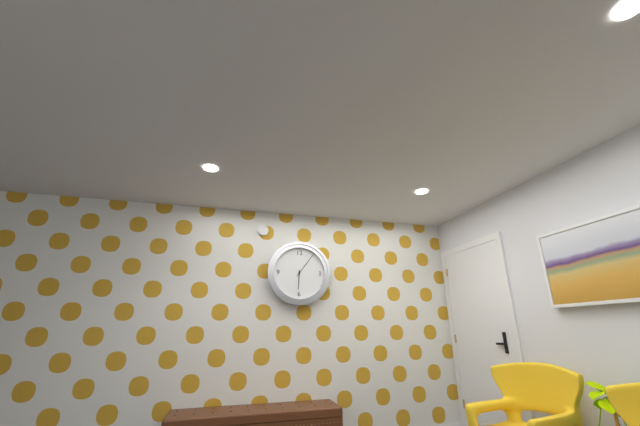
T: **6:06**
